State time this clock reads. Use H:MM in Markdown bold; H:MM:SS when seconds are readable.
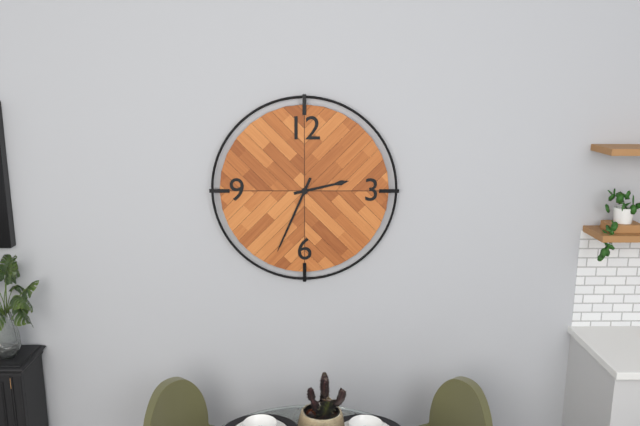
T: **2:34**
